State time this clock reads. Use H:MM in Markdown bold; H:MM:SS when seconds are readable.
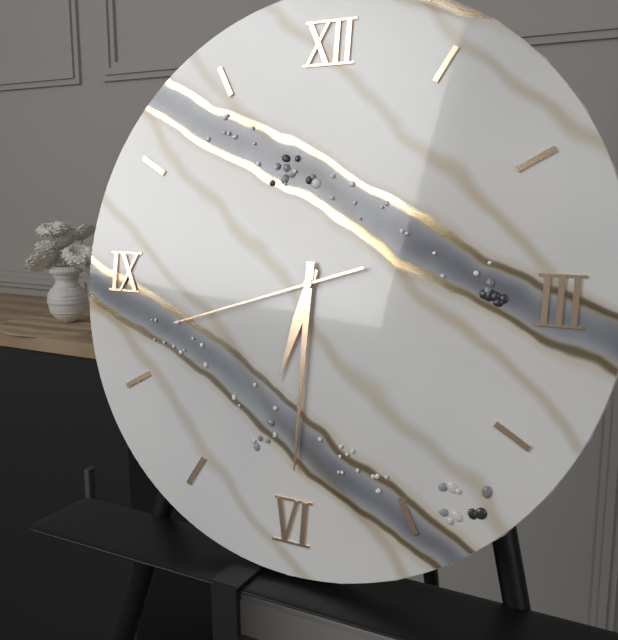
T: **6:30:42**
